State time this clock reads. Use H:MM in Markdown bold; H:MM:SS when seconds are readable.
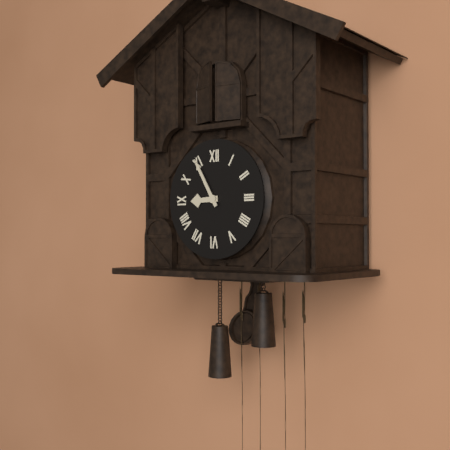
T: **8:55**
